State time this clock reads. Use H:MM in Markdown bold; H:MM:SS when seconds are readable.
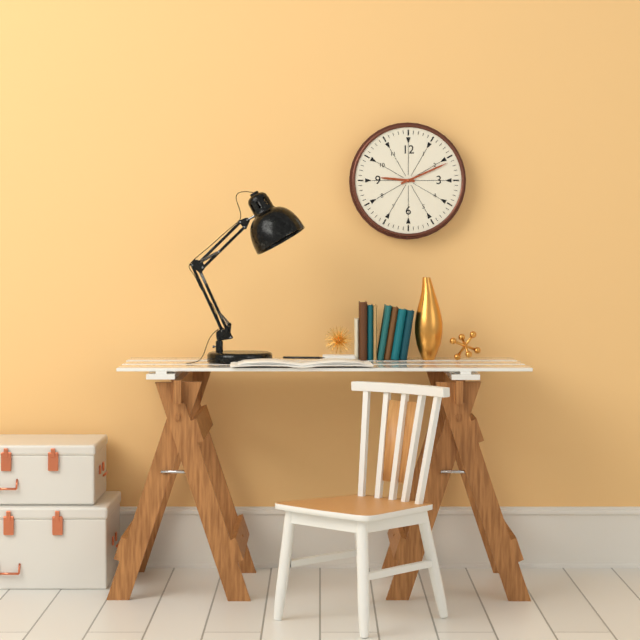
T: **9:11**
